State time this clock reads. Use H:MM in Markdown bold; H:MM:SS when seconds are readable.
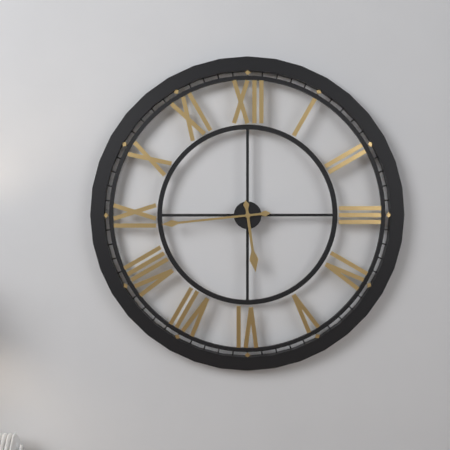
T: **5:44**
